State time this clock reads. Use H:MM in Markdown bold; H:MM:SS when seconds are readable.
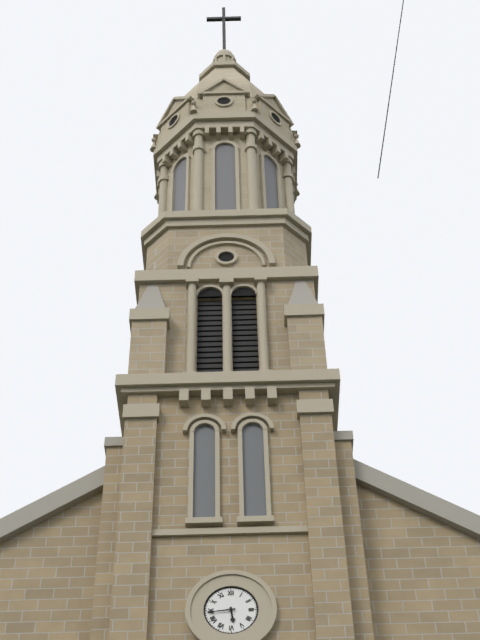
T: **5:44**
